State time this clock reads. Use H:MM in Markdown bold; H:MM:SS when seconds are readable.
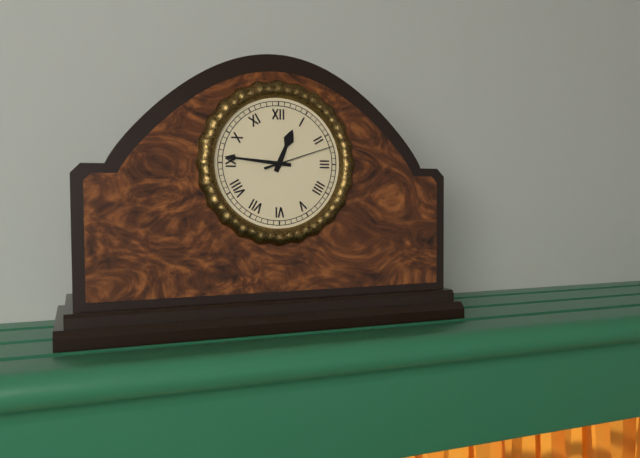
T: **12:46:12**
